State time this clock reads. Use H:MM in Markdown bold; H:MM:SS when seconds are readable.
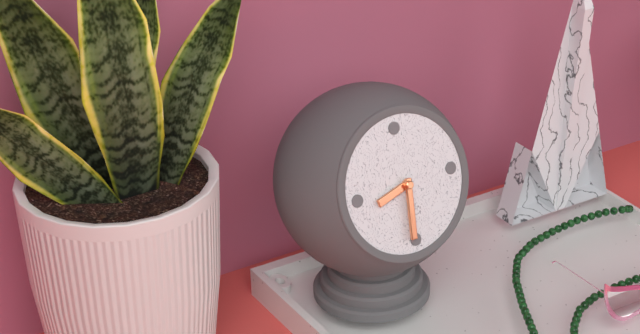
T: **8:31**
